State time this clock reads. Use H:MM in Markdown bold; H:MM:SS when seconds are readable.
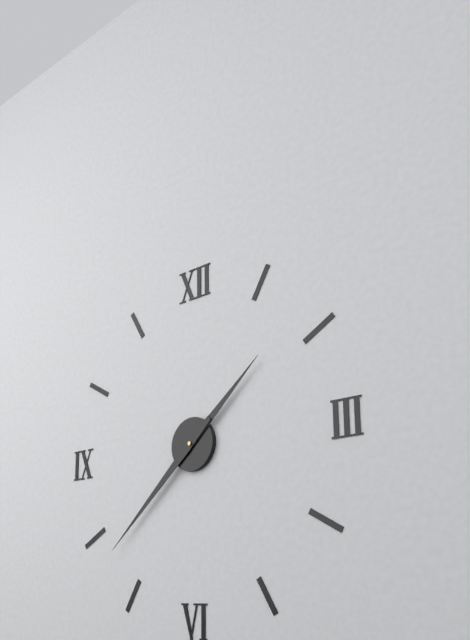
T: **1:38**
